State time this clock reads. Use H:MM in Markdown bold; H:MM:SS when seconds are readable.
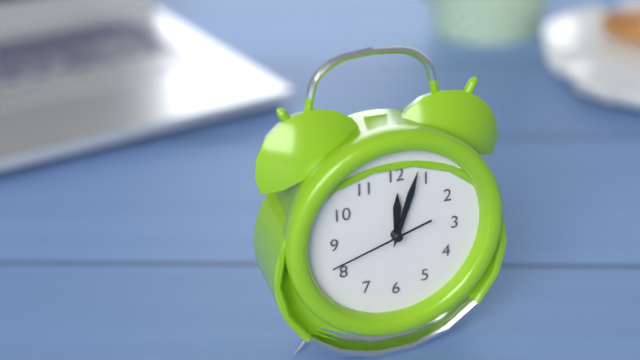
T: **12:03:42**
